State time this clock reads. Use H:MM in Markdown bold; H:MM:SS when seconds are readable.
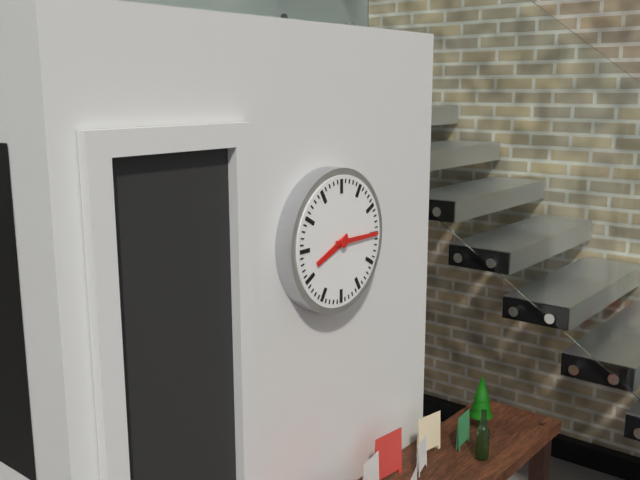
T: **8:15**
